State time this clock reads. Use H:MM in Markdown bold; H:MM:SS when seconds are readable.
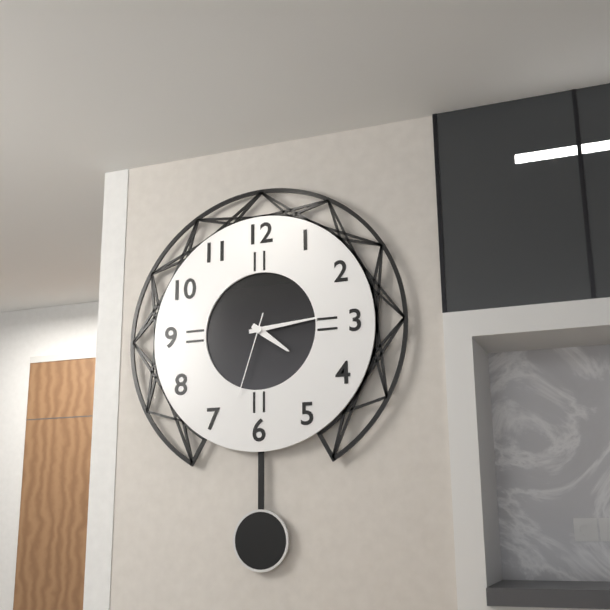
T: **4:14:33**
